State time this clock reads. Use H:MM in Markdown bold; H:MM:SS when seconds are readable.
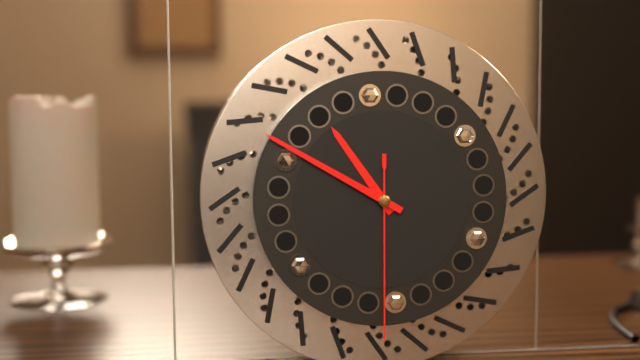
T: **10:50:30**
